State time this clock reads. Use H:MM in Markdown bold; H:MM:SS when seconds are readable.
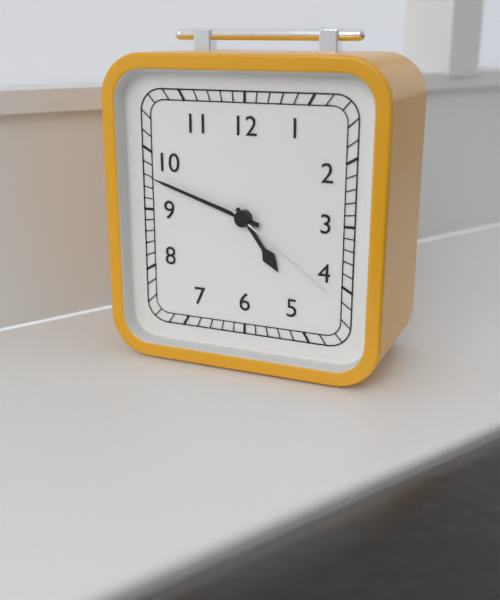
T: **4:48:21**
